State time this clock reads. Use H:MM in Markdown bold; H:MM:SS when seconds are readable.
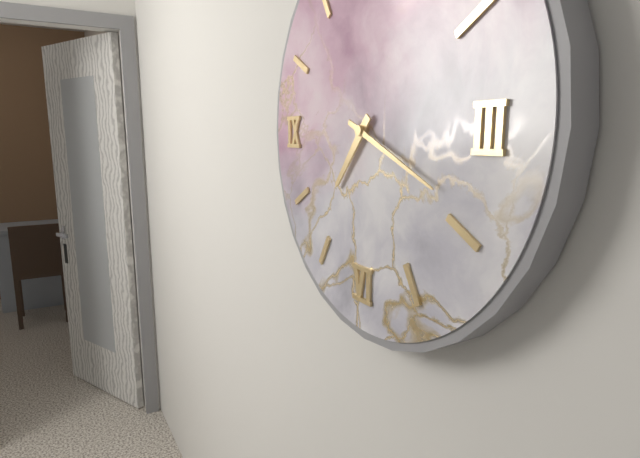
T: **7:19**
